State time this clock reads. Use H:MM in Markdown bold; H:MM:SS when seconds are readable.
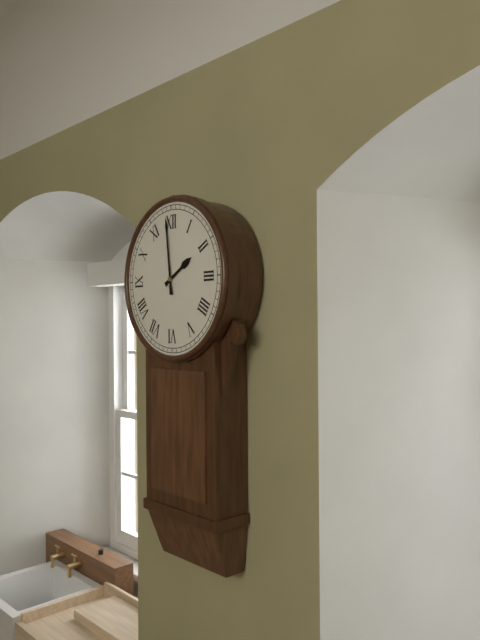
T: **1:59**
